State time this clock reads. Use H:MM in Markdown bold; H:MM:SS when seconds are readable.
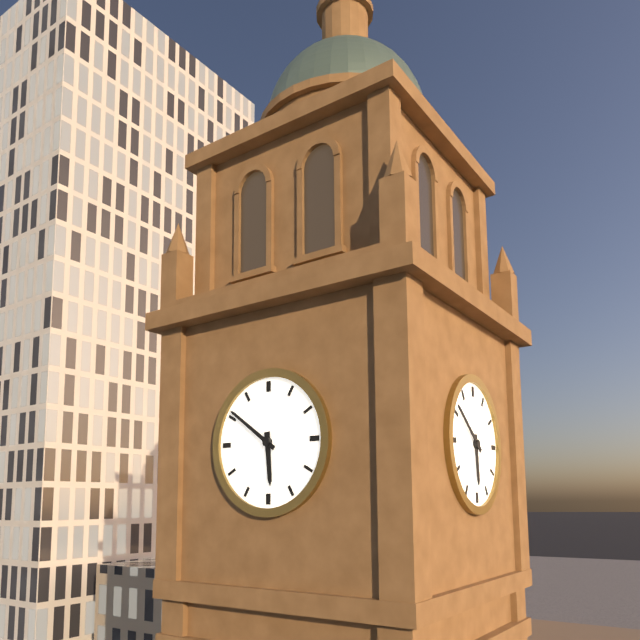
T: **5:51**
